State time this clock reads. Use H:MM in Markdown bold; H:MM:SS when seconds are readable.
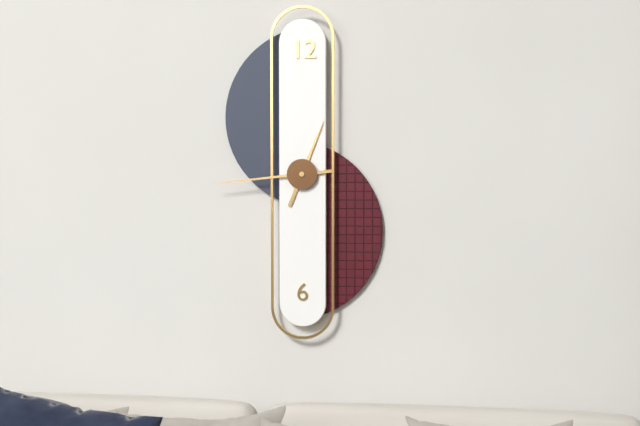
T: **12:44**
